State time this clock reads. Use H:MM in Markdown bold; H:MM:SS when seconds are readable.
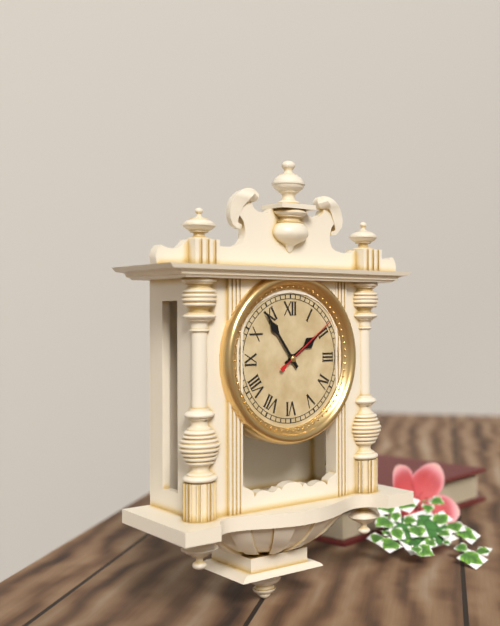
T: **1:54:09**
